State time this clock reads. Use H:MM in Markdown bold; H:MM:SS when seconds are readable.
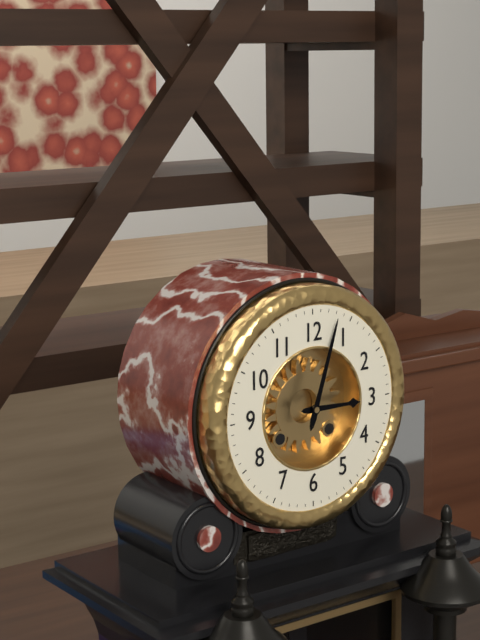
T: **3:03**
